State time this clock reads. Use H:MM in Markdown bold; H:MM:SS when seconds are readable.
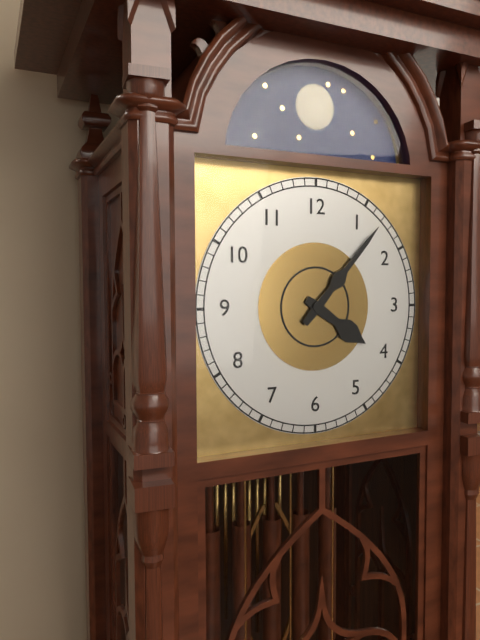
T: **4:07**
